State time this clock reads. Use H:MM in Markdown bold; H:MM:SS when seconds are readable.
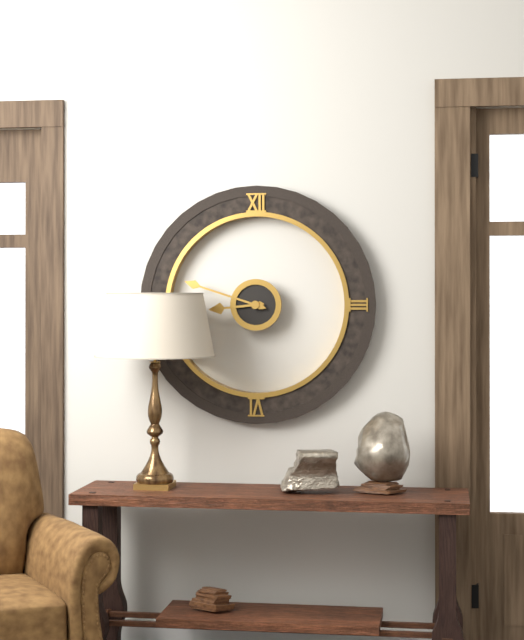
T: **8:48**
